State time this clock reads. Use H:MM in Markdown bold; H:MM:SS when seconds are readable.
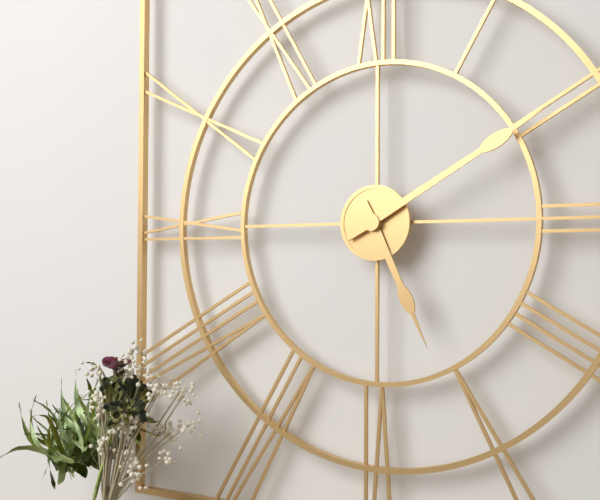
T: **5:10**
